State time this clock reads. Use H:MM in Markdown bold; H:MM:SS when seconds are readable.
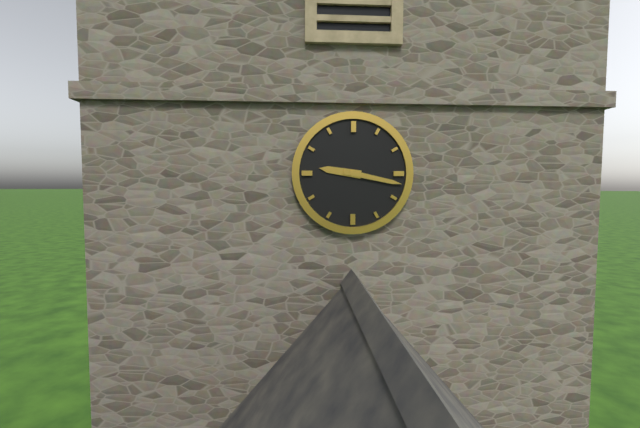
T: **9:17**
